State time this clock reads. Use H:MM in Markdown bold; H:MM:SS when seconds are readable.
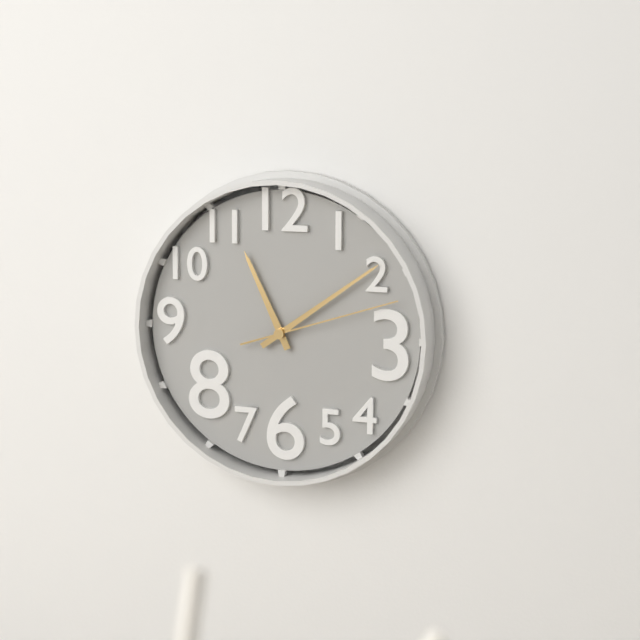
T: **11:09:12**
